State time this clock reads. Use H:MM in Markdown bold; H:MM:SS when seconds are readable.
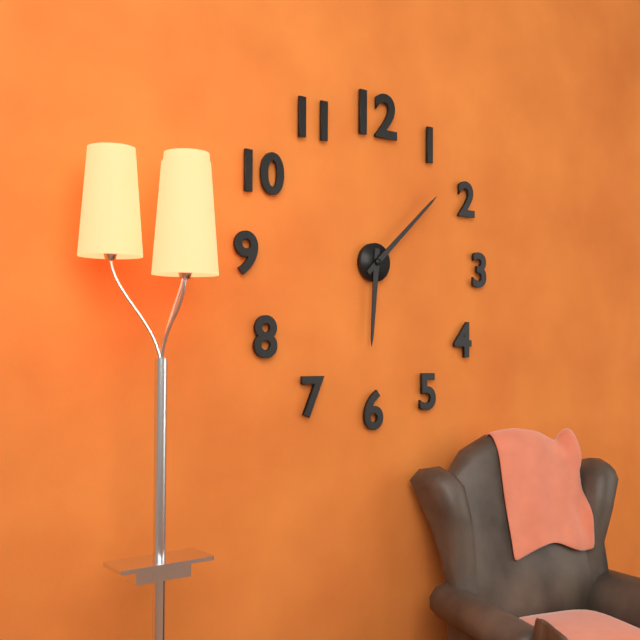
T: **6:08**
